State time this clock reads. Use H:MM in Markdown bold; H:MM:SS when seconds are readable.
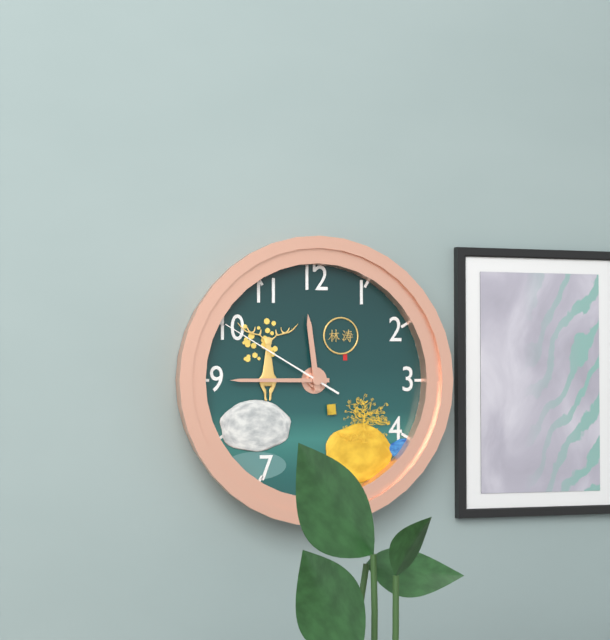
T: **11:45:50**
